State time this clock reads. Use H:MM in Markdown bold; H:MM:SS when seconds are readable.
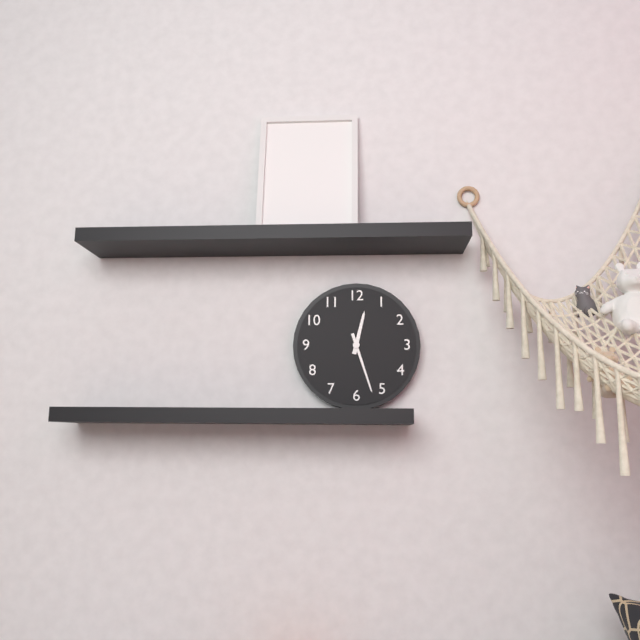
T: **12:27**
